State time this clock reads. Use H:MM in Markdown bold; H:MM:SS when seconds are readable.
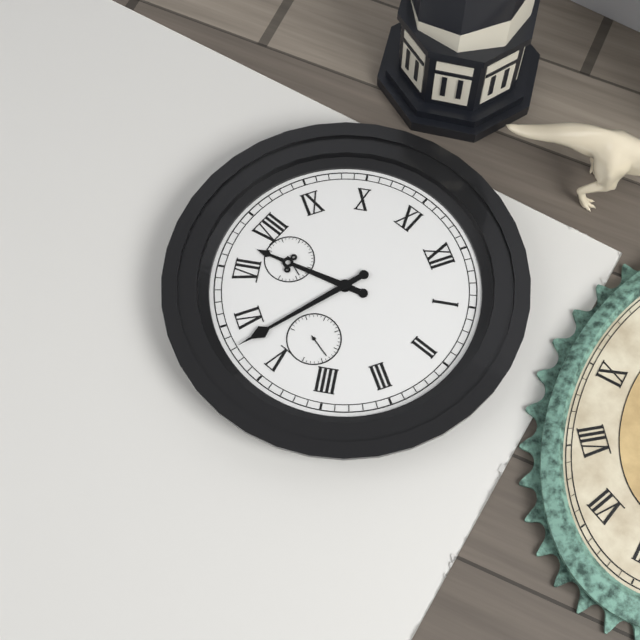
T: **7:28**
